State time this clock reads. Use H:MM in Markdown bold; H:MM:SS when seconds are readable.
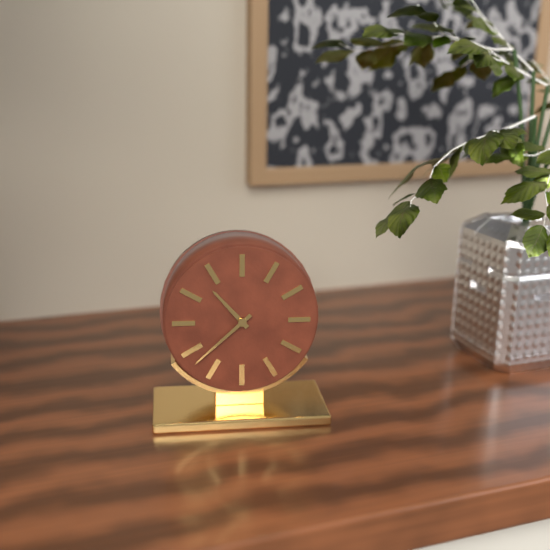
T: **10:38**
